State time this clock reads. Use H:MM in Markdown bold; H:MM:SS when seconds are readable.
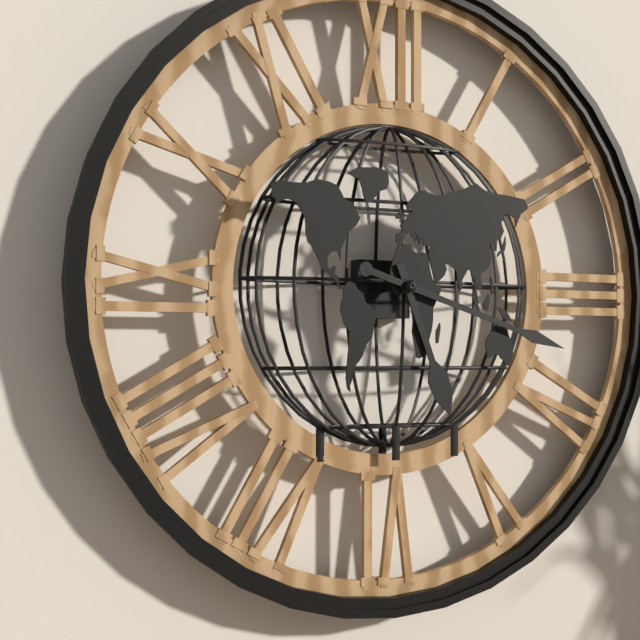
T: **5:18**
